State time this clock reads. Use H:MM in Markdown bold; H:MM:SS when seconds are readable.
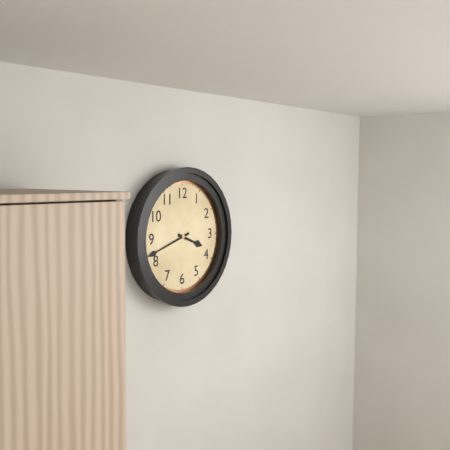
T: **3:42**
